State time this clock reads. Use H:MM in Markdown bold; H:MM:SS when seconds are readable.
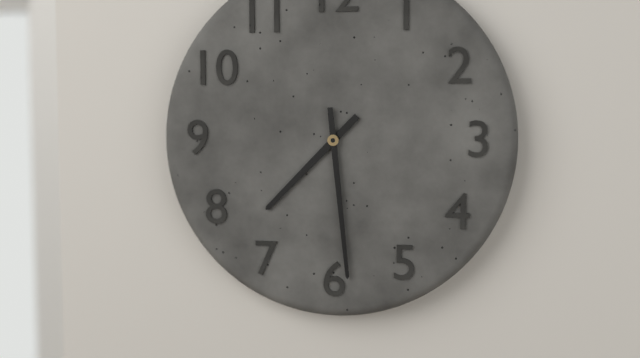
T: **7:29**
